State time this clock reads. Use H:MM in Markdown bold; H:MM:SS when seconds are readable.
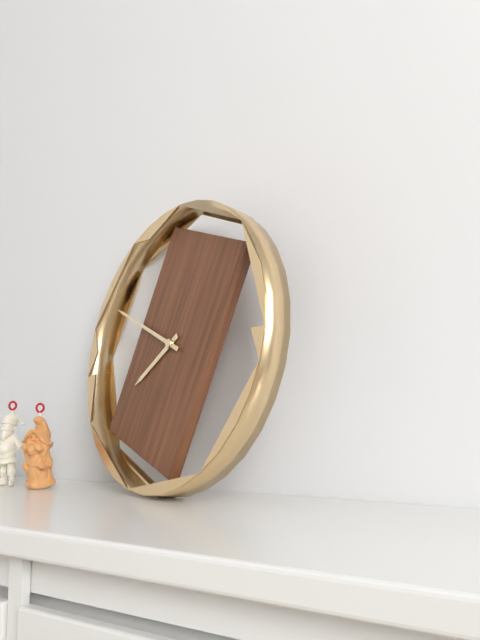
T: **7:49**
